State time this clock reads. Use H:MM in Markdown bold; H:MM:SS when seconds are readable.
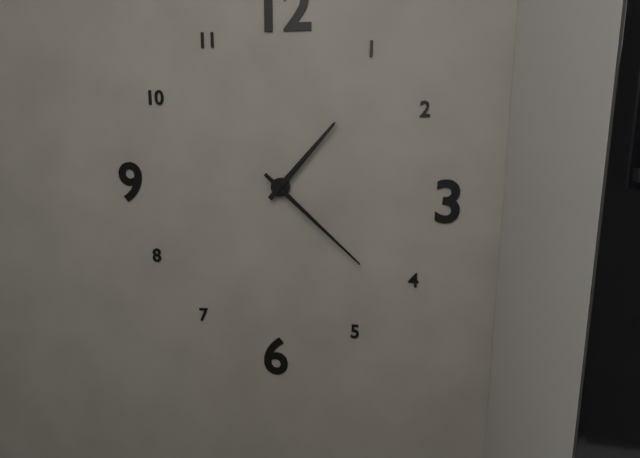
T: **1:22**
